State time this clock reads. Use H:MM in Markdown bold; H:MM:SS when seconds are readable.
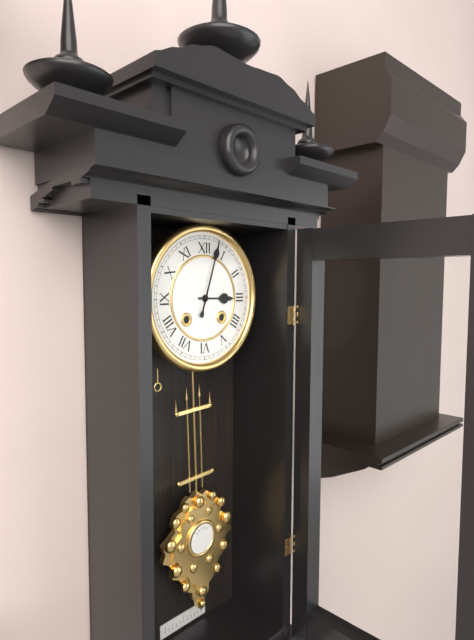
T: **3:03**
